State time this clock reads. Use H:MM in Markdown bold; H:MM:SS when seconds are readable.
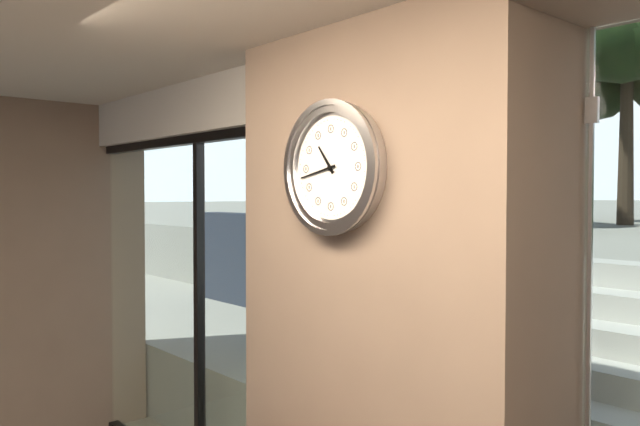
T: **10:43**
